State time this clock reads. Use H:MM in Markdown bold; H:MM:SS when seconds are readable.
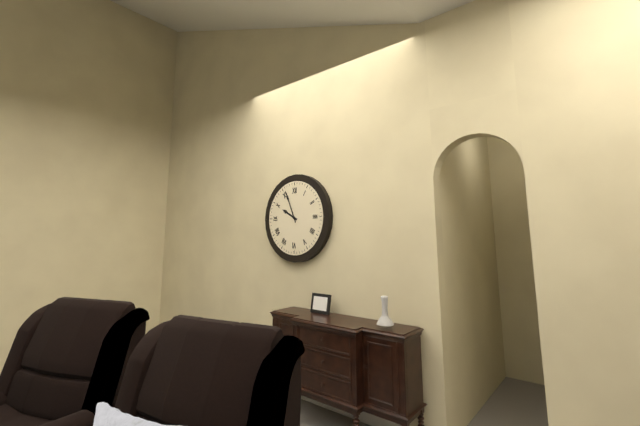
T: **9:56**
